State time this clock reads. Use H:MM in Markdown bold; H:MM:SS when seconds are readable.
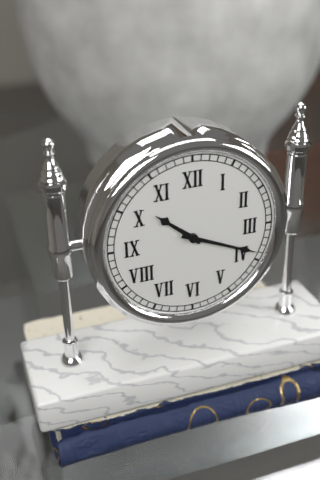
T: **10:19**
